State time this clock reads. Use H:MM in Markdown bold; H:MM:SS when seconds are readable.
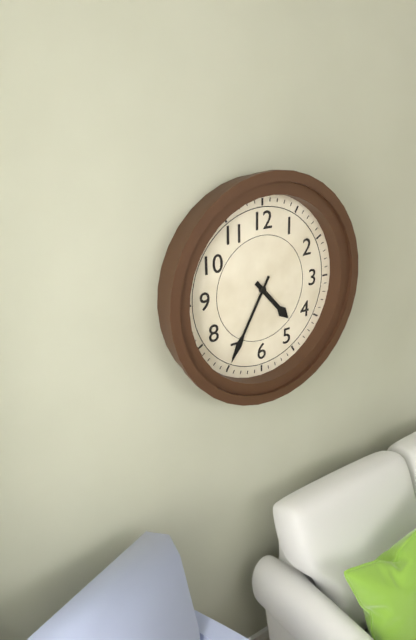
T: **4:35**
